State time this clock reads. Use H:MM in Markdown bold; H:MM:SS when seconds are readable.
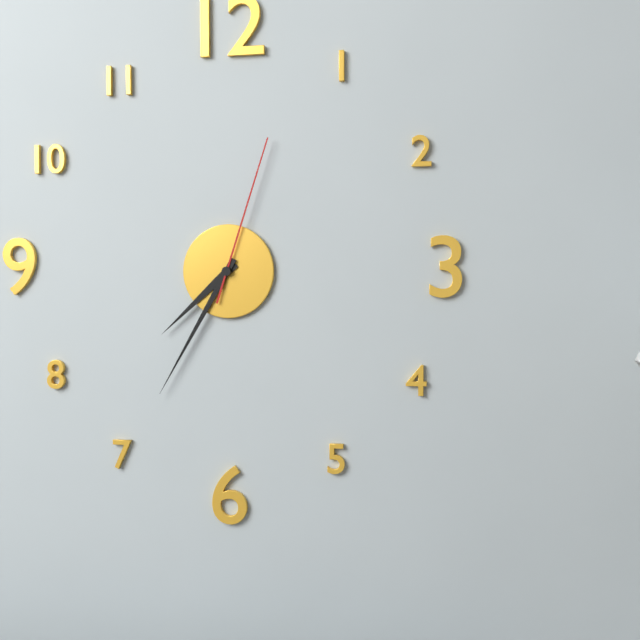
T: **7:35:03**
